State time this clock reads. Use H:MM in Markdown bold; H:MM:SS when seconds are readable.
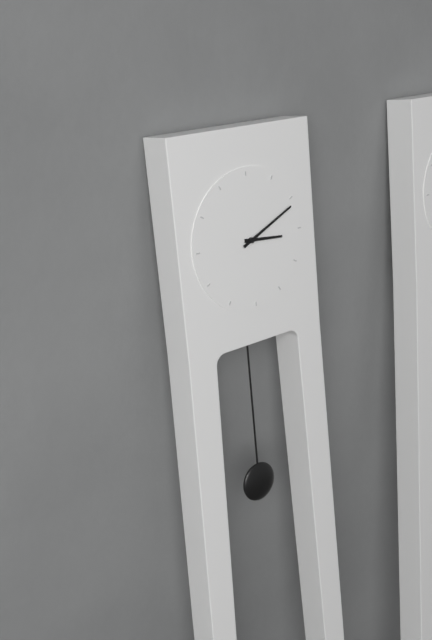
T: **3:11**
